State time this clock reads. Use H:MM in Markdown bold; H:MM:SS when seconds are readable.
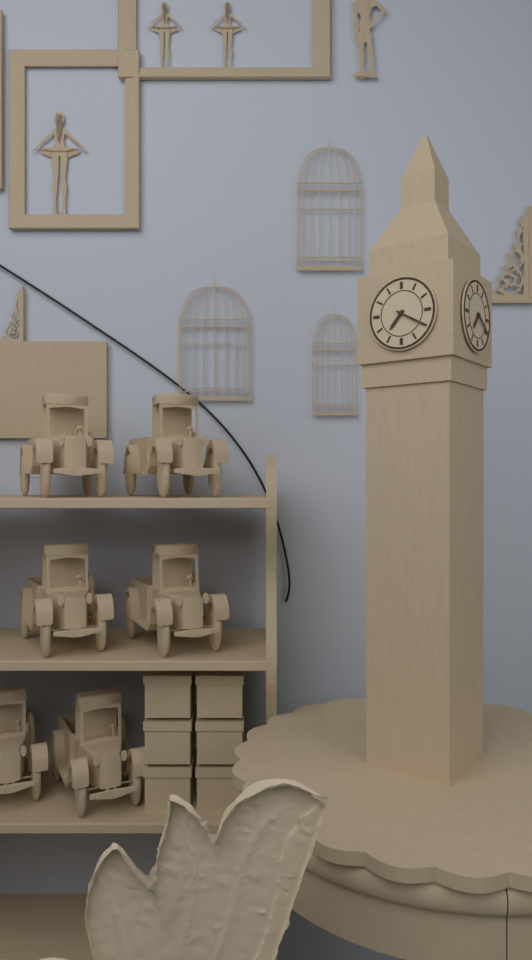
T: **7:20**
